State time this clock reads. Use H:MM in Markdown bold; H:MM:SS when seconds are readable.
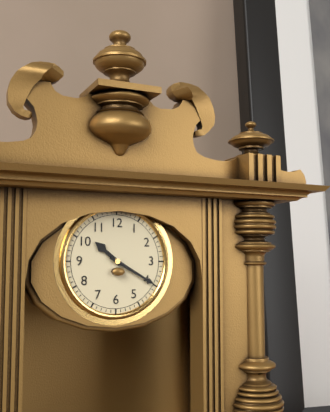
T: **10:20**
